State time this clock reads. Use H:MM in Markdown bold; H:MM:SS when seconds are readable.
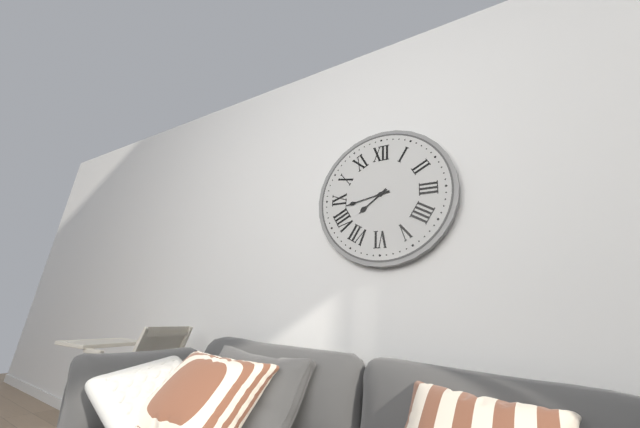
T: **7:43**
